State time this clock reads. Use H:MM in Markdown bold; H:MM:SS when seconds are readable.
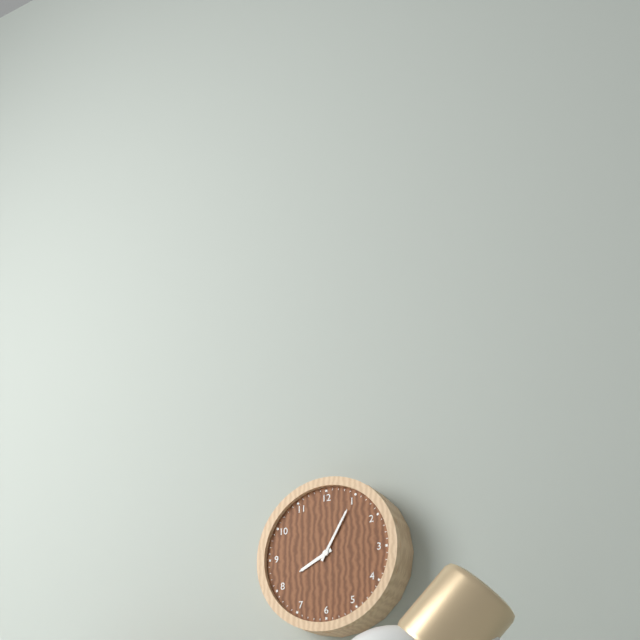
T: **8:05**
